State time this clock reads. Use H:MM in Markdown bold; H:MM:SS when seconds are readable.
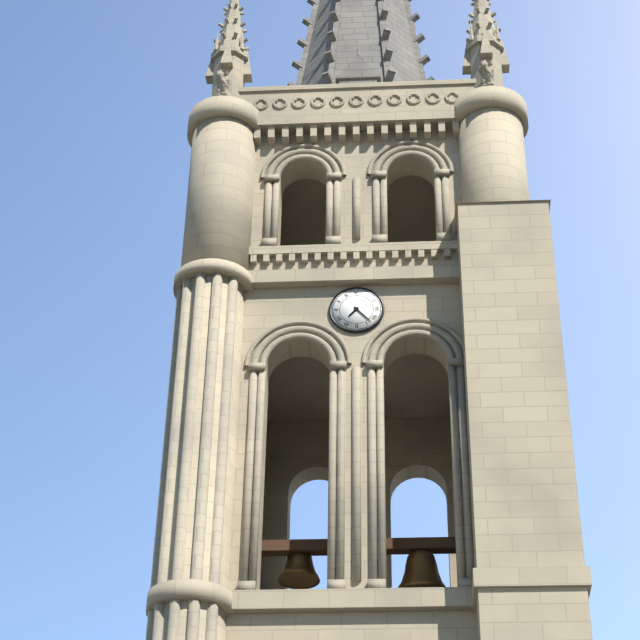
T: **7:23**
